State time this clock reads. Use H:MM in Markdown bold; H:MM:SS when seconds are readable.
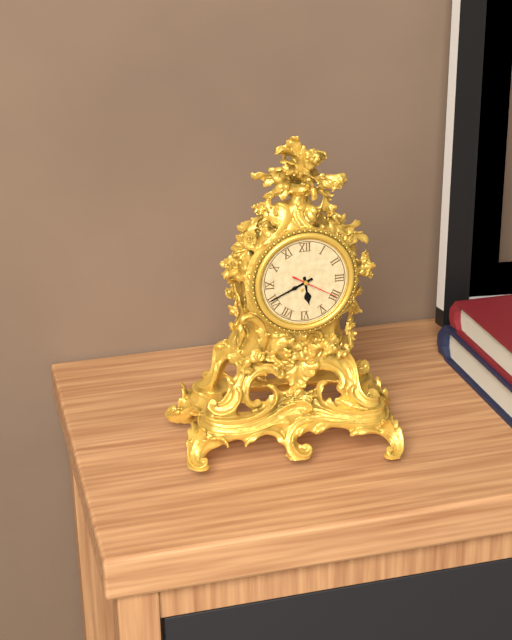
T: **5:41**
